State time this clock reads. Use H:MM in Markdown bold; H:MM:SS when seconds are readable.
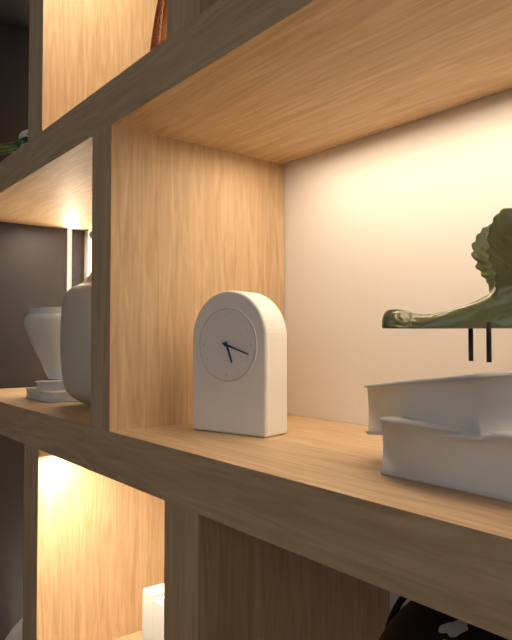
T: **5:18**
